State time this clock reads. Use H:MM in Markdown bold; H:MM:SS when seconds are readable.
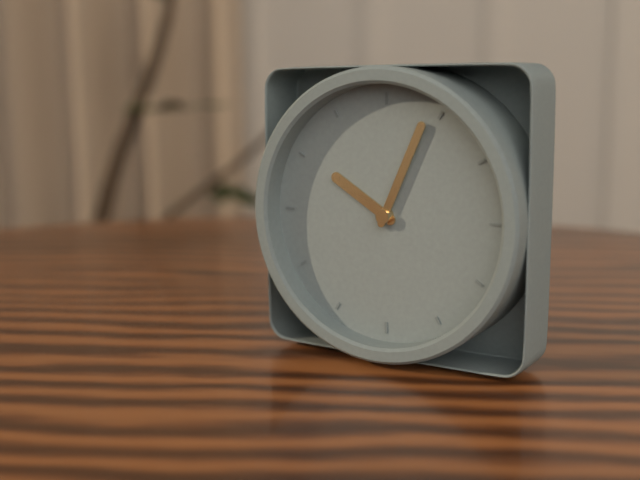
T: **10:04**
